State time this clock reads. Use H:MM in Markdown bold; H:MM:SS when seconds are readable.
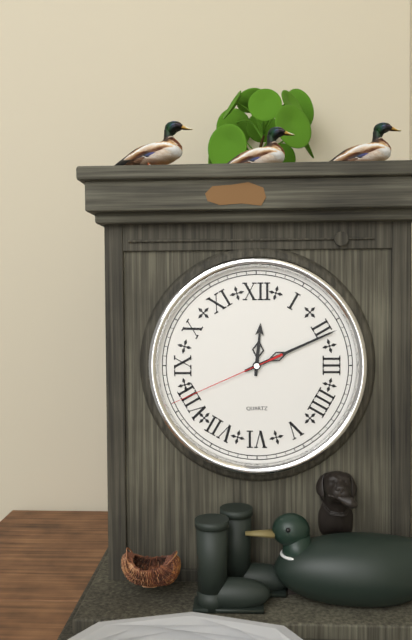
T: **12:11:41**
